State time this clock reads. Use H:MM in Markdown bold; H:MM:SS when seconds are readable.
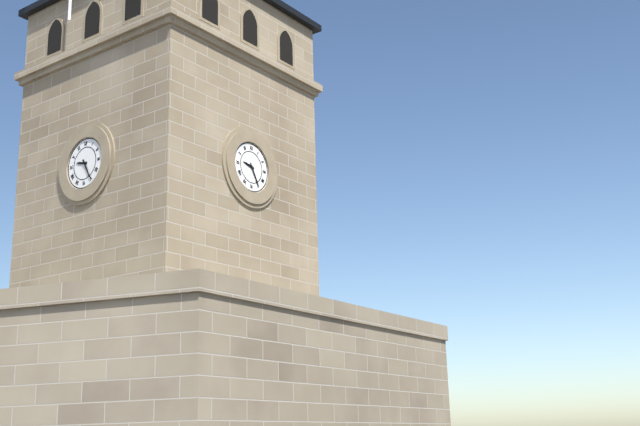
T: **9:25**
